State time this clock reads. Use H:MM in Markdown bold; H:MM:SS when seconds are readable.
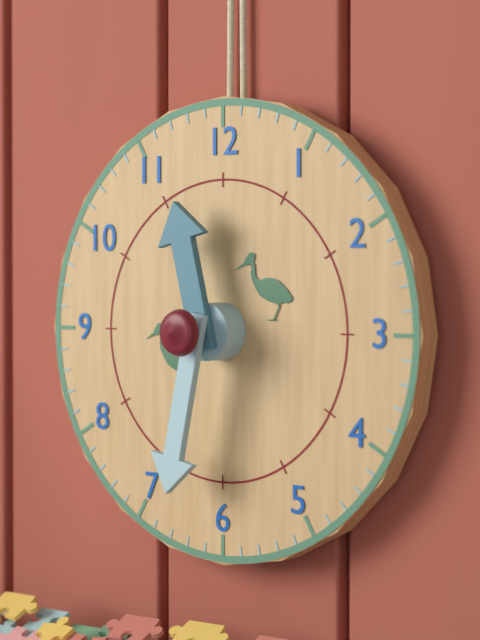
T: **11:32**
